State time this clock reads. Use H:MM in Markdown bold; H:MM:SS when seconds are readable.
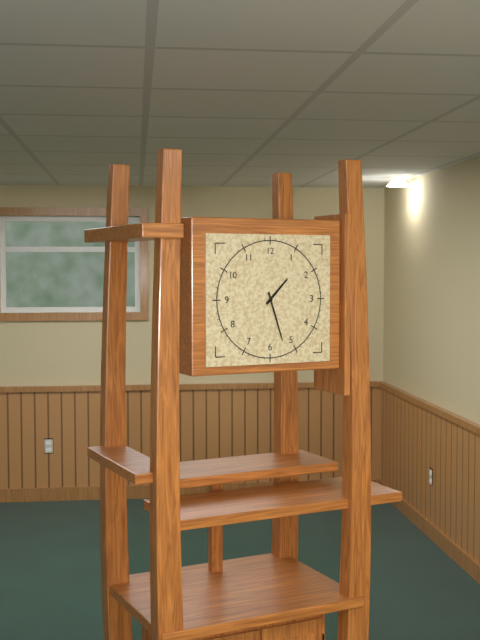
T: **1:27**
